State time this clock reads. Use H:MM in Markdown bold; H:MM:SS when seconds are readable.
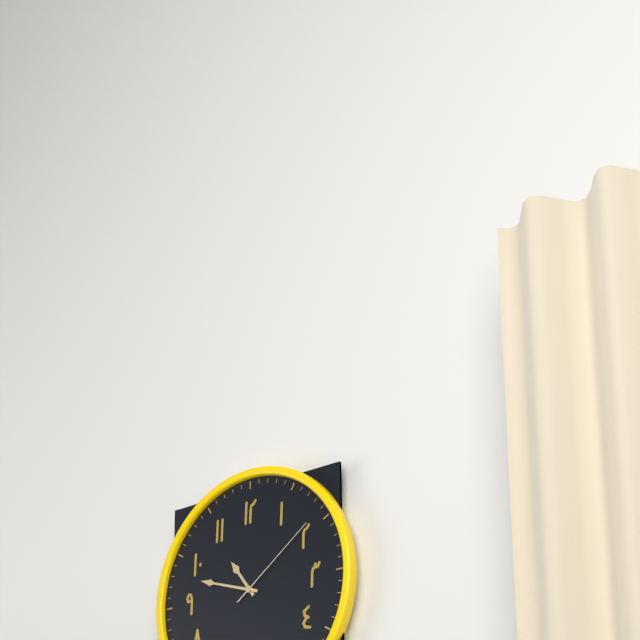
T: **10:48:09**
